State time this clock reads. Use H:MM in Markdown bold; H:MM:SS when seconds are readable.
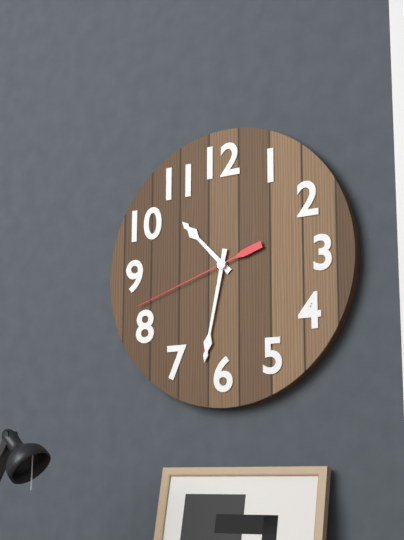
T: **10:32:42**
